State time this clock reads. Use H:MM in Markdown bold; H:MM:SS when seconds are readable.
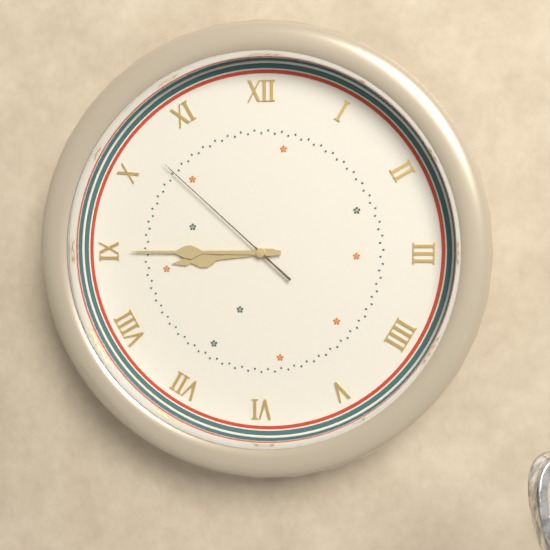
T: **8:45:52**
